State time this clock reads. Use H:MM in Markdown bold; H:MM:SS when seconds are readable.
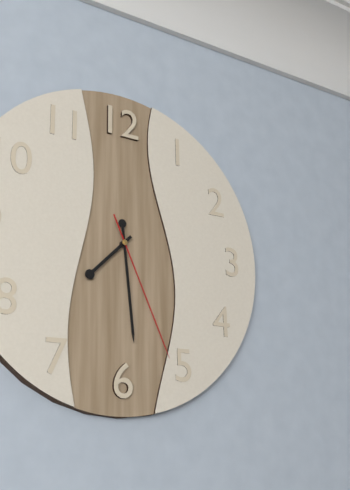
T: **7:29:26**
